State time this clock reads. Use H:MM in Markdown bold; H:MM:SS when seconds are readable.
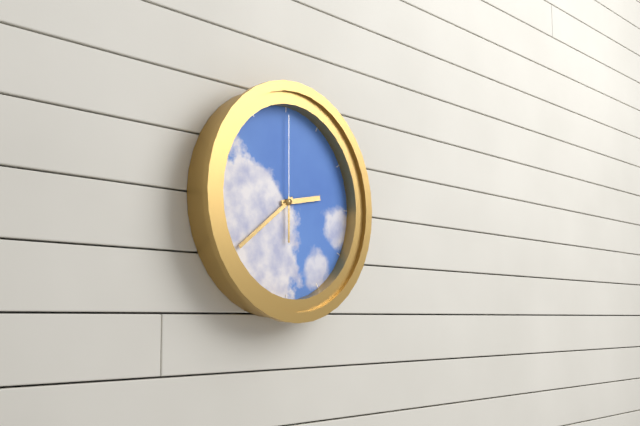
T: **2:39:00**
